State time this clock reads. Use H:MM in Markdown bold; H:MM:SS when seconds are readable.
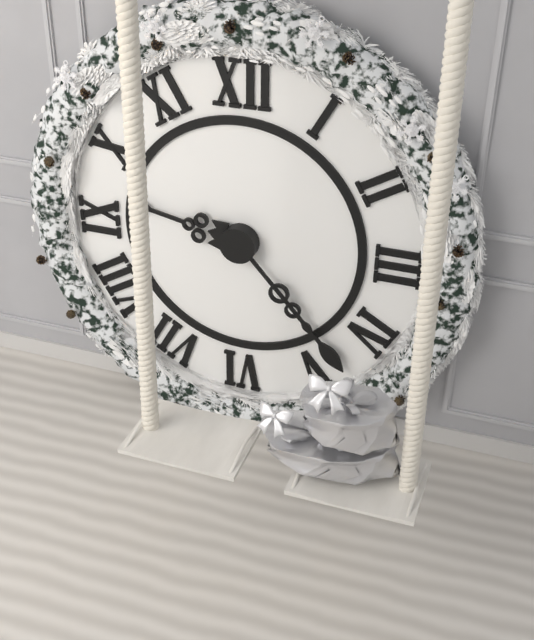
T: **9:23**
